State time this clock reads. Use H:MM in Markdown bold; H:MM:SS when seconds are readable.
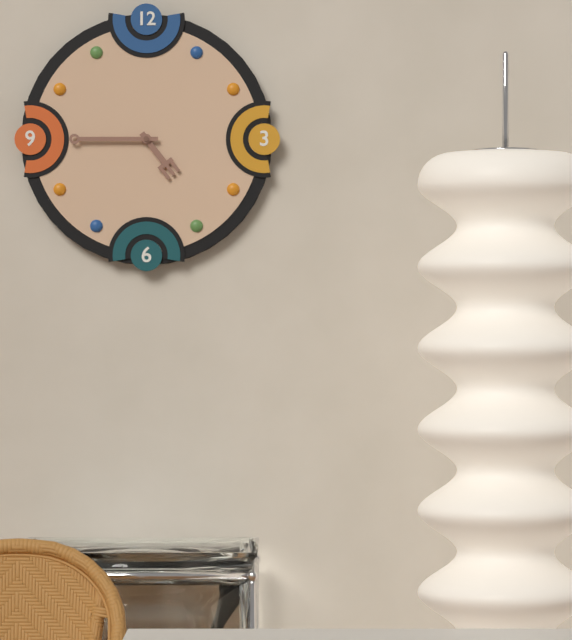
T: **4:45**
